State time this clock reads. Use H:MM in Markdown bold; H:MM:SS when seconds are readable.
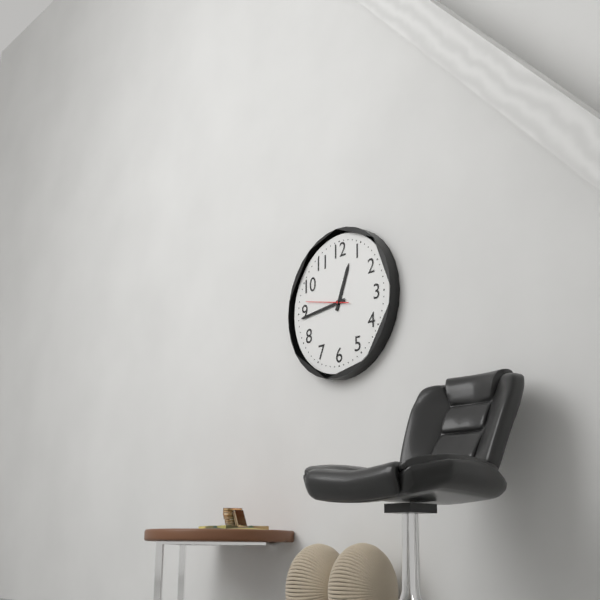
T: **12:44**
